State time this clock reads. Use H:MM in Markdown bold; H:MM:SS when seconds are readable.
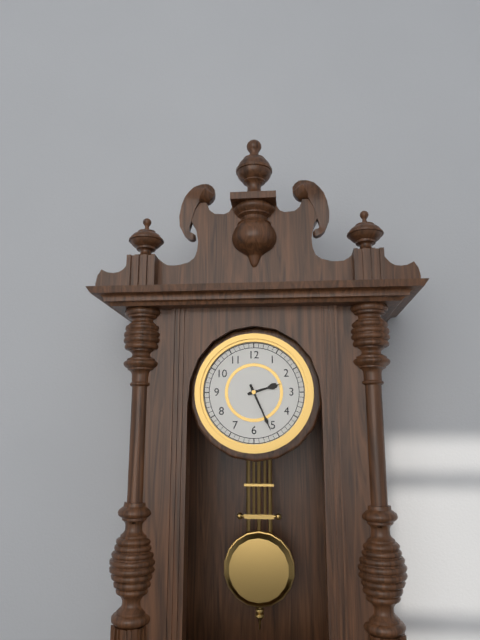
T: **2:26**
